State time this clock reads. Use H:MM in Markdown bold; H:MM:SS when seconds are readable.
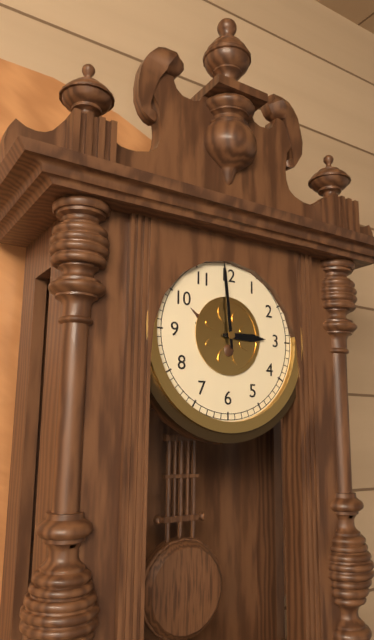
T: **2:59**
